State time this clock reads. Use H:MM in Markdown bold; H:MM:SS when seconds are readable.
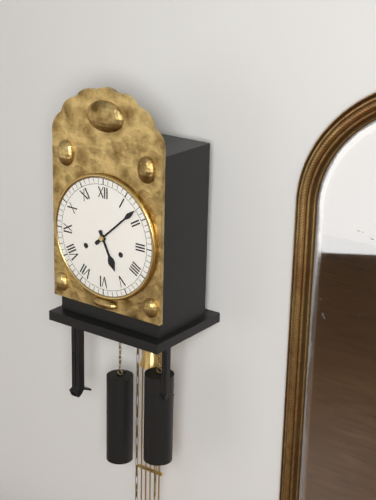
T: **5:08**
